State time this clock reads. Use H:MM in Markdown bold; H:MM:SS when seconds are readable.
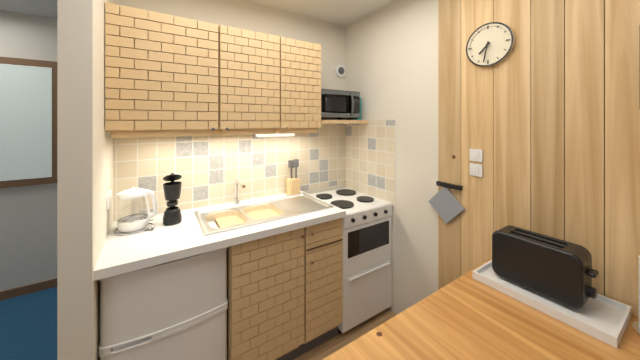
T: **7:32**
